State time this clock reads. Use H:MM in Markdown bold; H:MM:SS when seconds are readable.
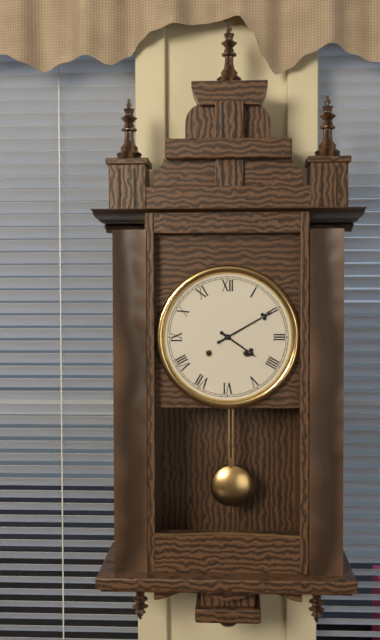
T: **4:10**
